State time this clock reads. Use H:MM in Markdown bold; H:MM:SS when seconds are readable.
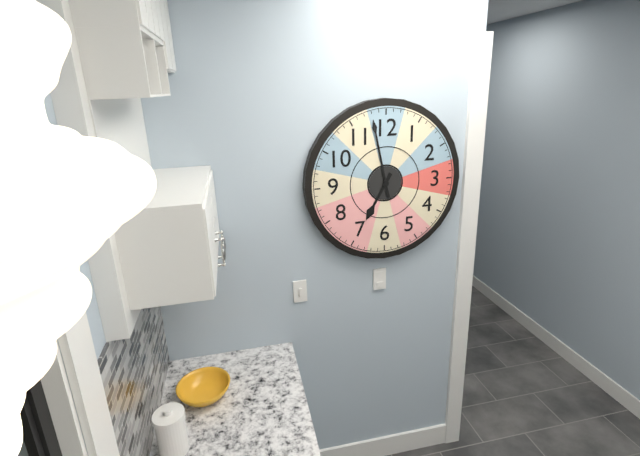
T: **6:58**
